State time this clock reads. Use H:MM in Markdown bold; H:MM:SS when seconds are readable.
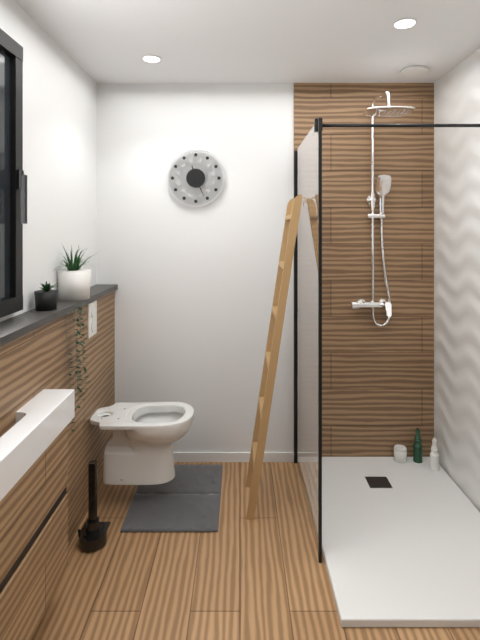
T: **11:26**
